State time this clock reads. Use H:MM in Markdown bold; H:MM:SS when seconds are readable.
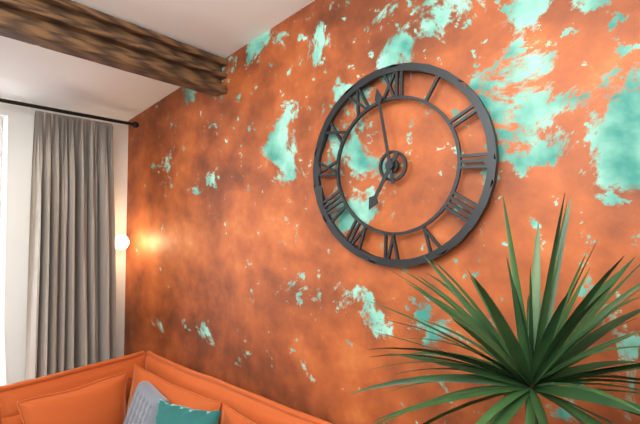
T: **6:58**
